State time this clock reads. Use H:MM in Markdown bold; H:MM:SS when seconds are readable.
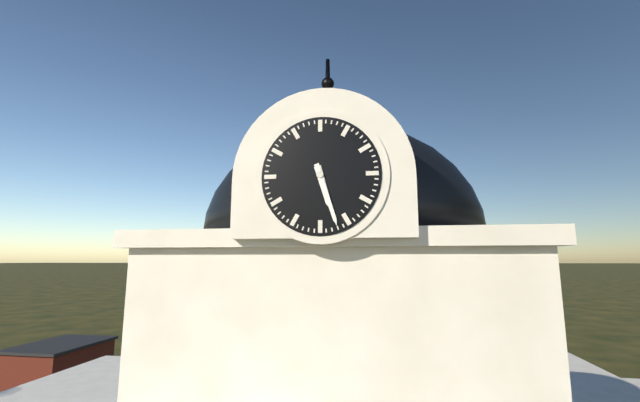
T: **5:27**
